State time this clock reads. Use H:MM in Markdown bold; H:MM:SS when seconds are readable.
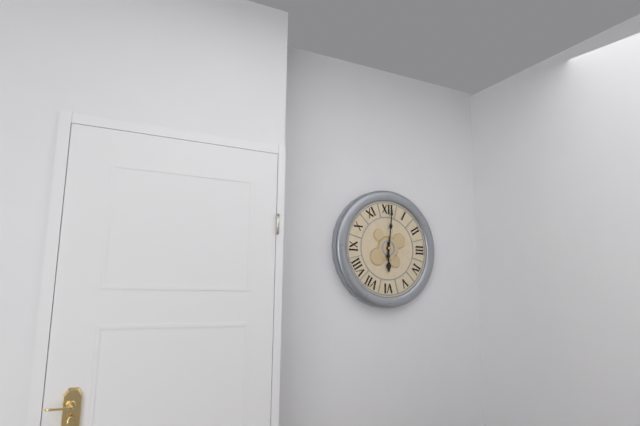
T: **6:01**
